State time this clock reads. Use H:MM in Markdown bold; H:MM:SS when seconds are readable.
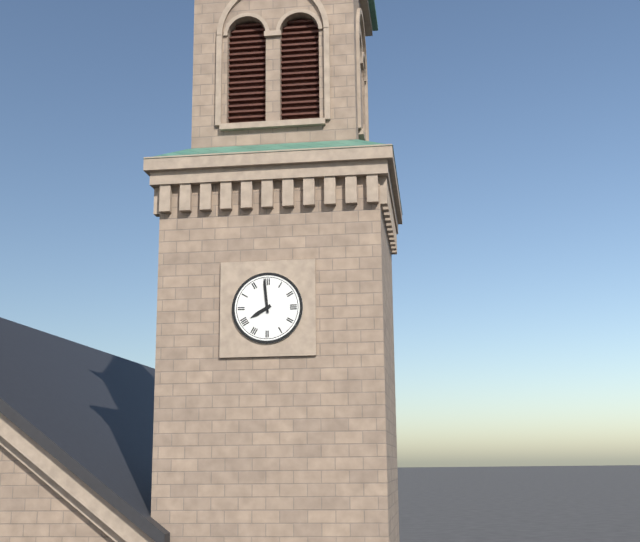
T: **7:59**
